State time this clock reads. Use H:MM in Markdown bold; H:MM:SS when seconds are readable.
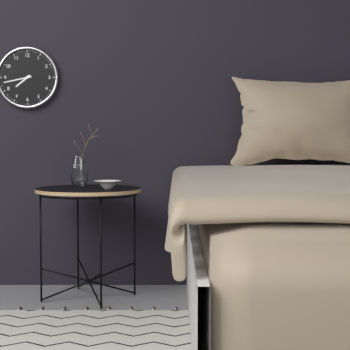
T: **7:43**
